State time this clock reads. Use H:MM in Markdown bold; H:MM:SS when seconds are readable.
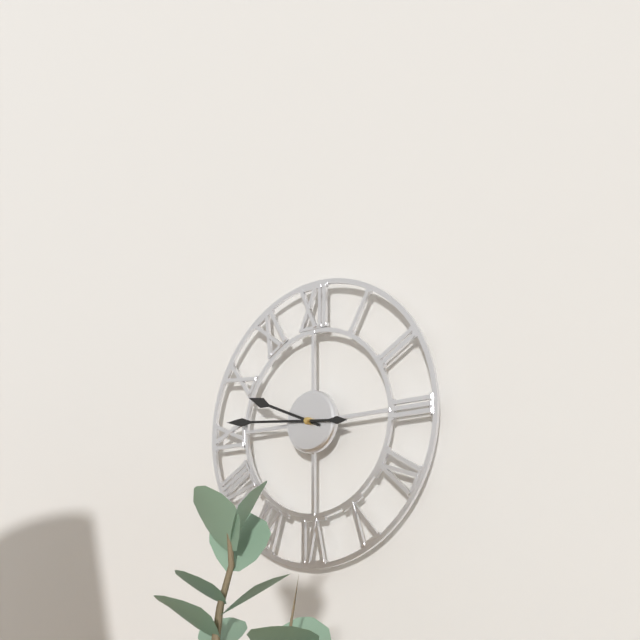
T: **9:46**
